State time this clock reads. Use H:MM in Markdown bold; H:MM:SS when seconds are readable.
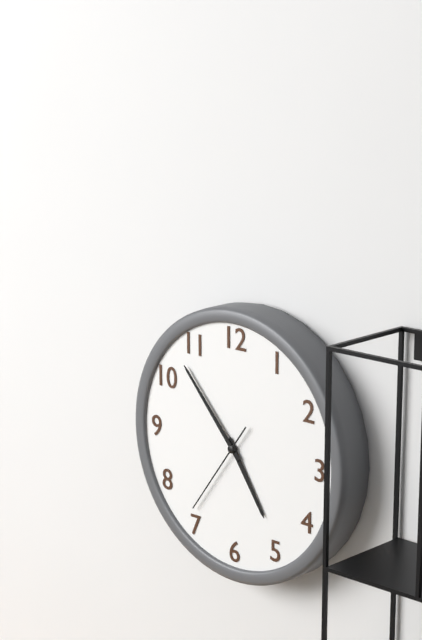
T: **4:53:36**
